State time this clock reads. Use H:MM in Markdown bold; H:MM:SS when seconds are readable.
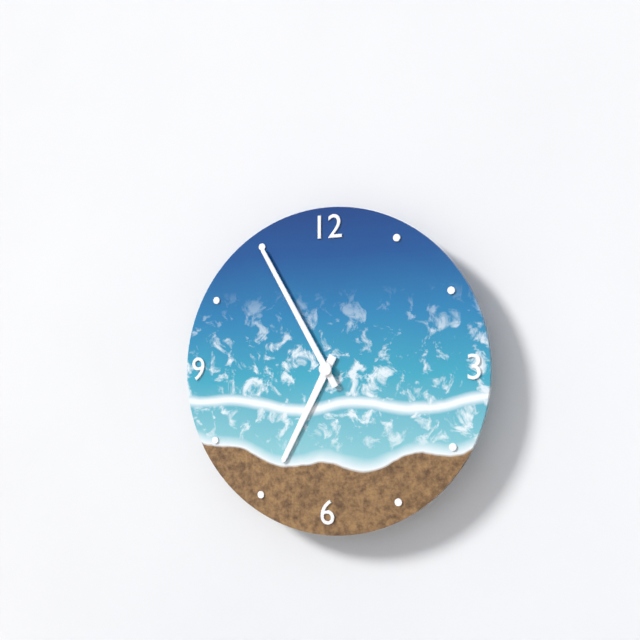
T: **6:55**
